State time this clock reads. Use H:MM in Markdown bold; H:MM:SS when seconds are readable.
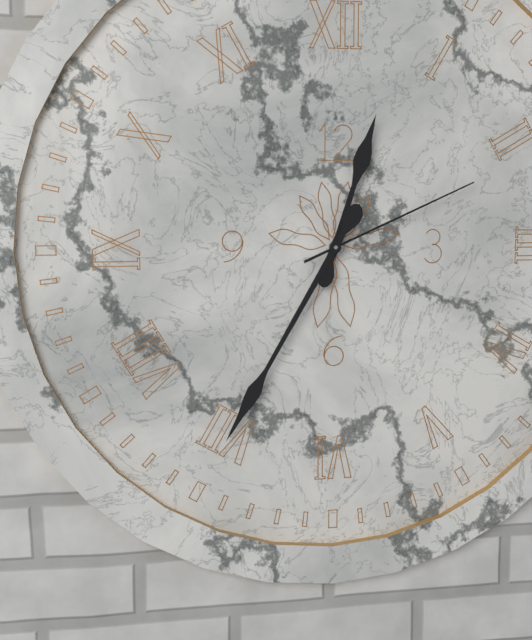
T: **12:35:11**
